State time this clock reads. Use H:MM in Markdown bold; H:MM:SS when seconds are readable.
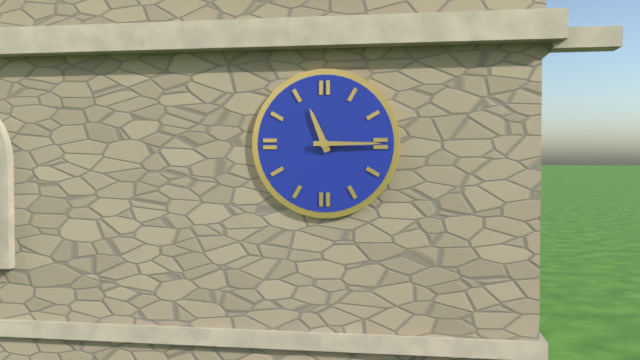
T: **11:15**
